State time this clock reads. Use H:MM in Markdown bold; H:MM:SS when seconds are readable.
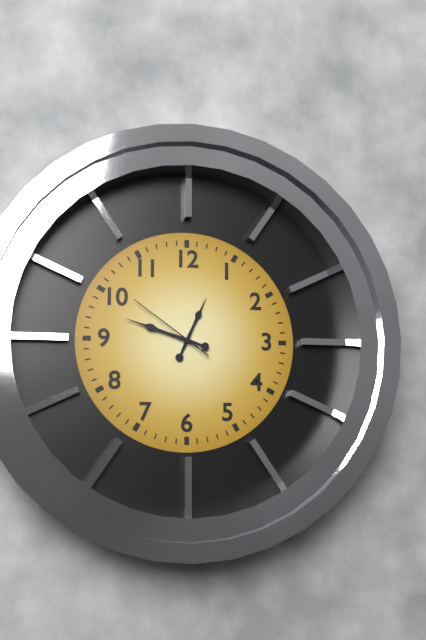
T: **12:48:51**
